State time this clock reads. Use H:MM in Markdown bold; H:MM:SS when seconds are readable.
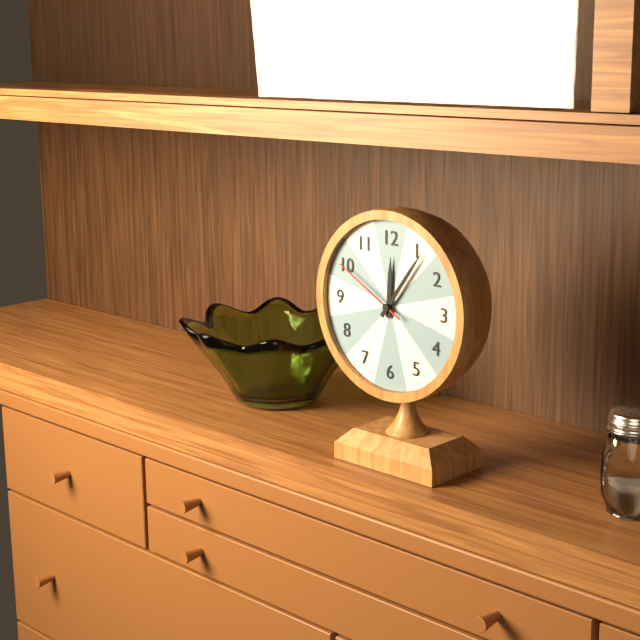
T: **12:06:50**
